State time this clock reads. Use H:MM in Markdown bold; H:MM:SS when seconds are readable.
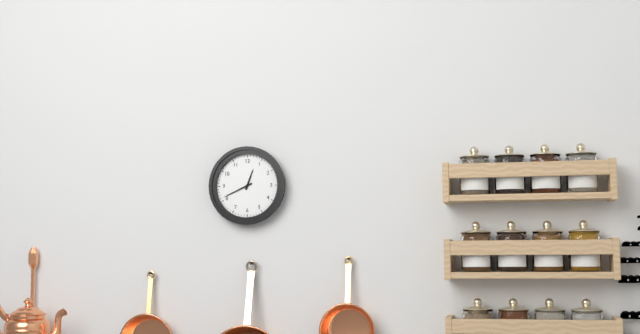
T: **12:41**
